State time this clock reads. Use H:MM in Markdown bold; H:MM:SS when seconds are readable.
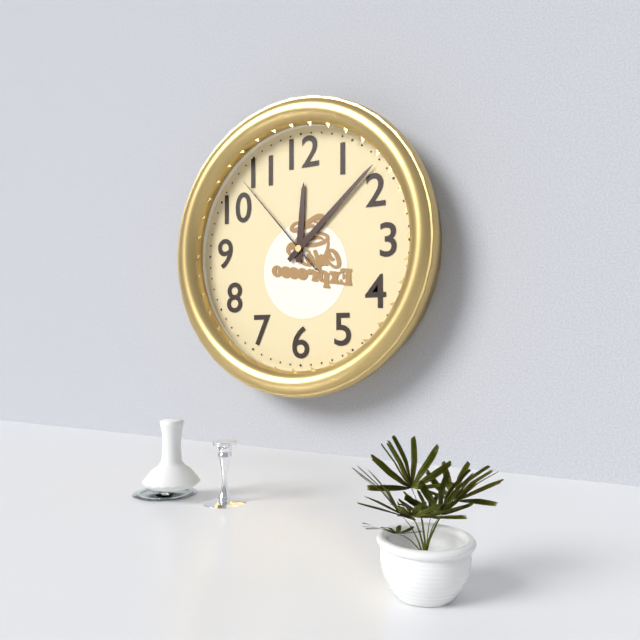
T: **12:08:53**
